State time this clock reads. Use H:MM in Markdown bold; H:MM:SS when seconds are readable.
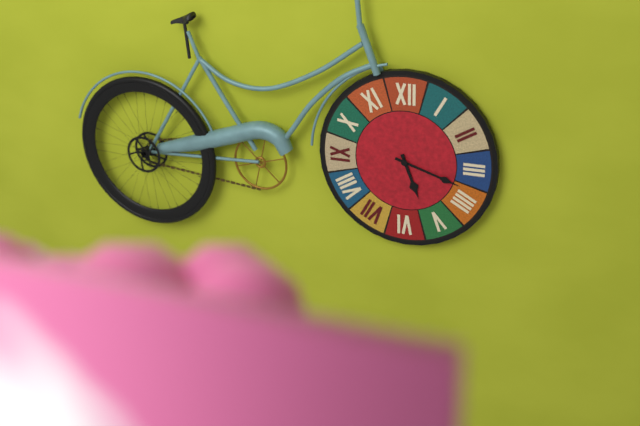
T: **5:18**
